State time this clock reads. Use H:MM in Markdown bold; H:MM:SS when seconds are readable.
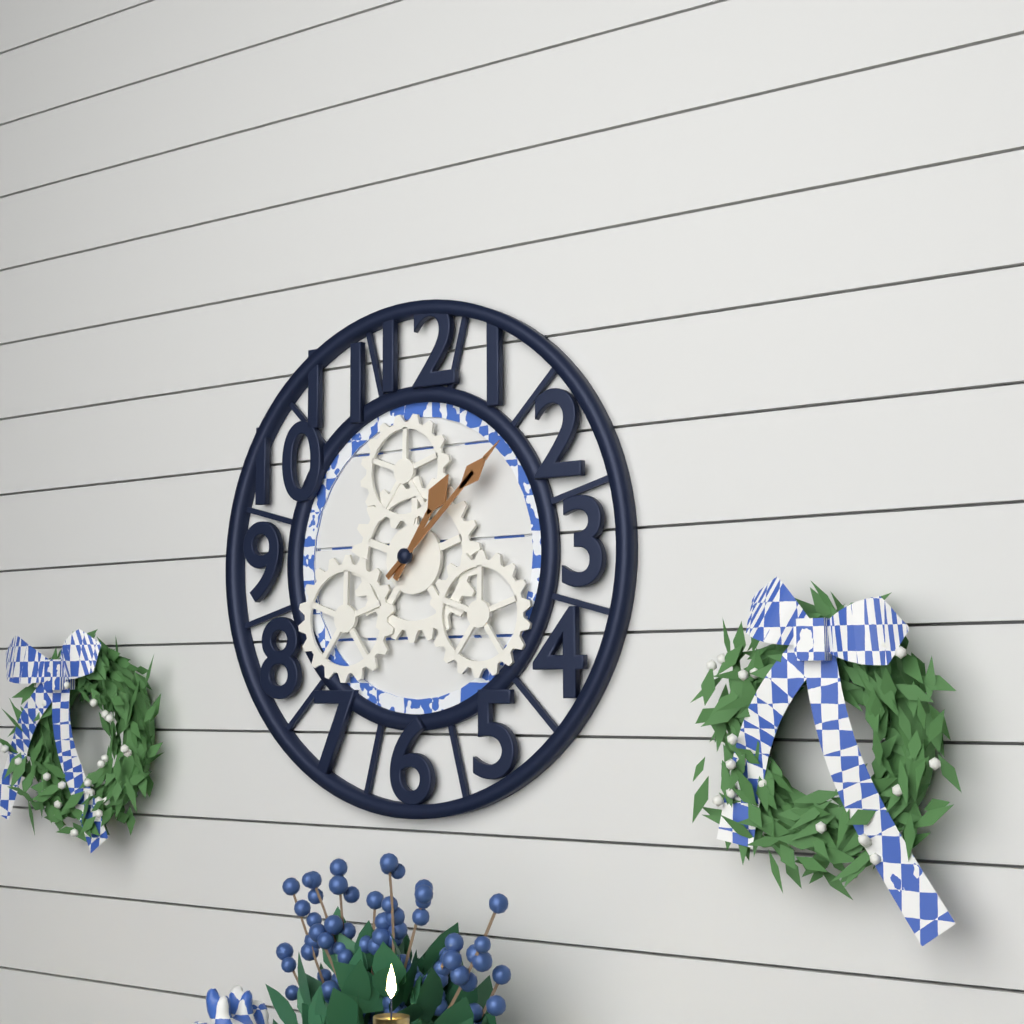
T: **1:08**
